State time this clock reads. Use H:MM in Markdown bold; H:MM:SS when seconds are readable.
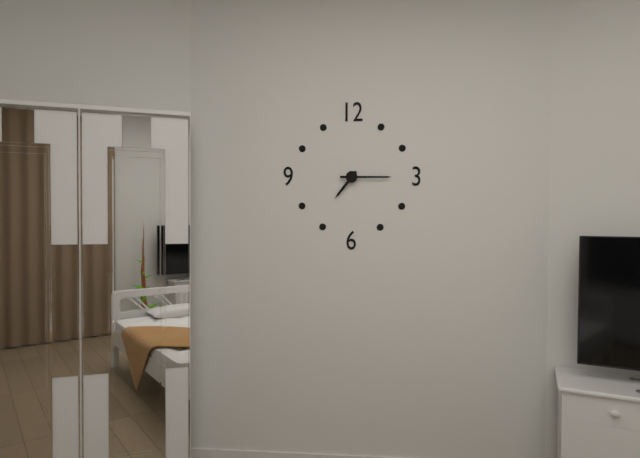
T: **7:15**
